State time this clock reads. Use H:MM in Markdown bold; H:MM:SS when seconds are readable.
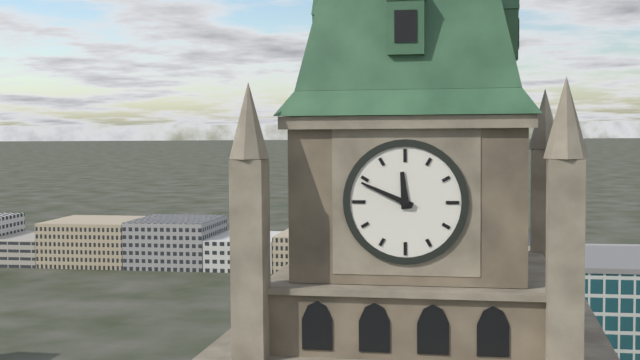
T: **11:49**
